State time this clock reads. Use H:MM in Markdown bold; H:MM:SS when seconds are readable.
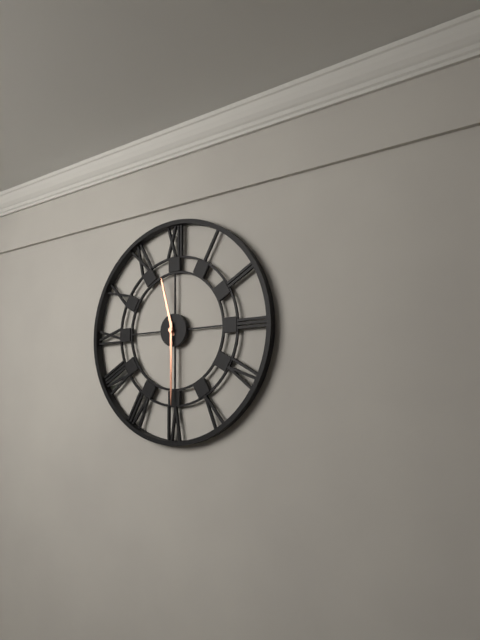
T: **11:30**
